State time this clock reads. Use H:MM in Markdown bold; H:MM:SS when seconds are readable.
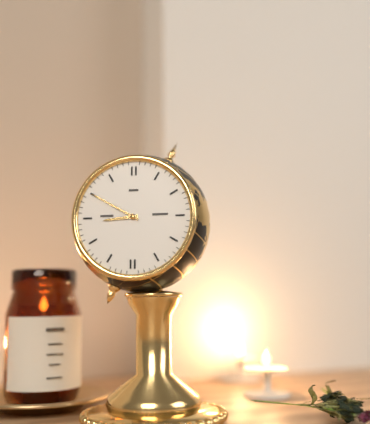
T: **8:50**
